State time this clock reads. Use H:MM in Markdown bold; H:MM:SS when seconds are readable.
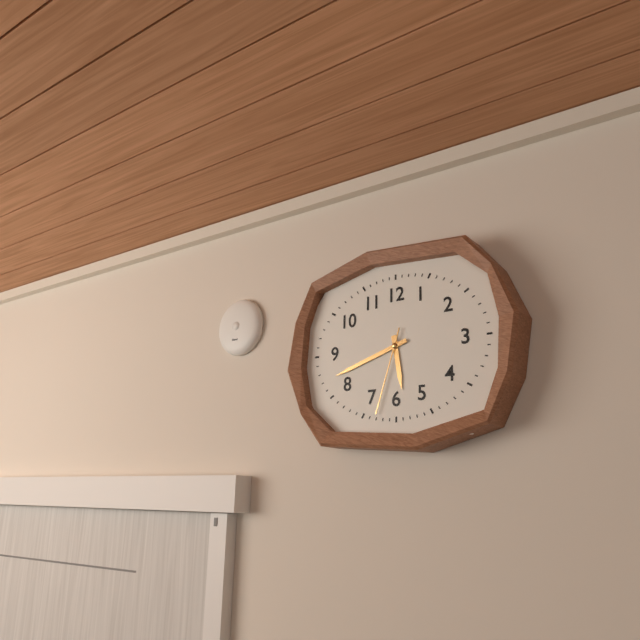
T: **5:42:33**
